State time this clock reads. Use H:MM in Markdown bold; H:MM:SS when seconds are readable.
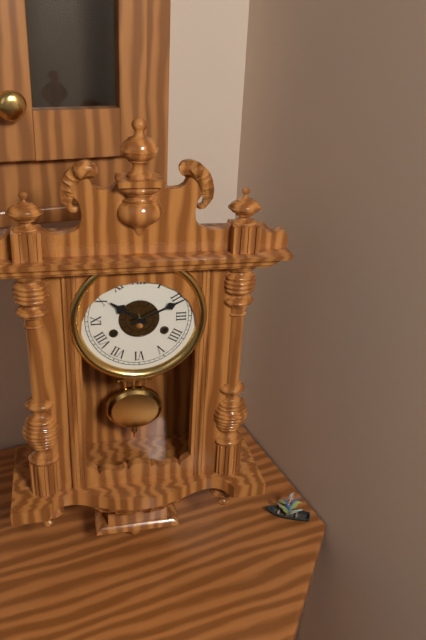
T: **10:11**
